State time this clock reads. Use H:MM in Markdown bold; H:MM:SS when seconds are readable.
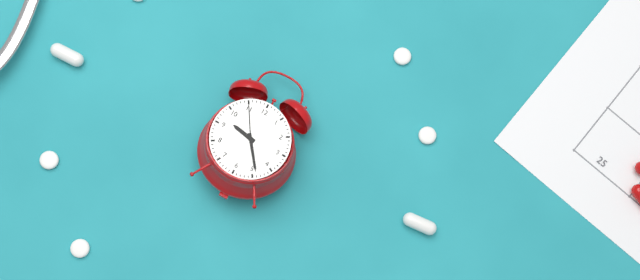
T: **9:24**
